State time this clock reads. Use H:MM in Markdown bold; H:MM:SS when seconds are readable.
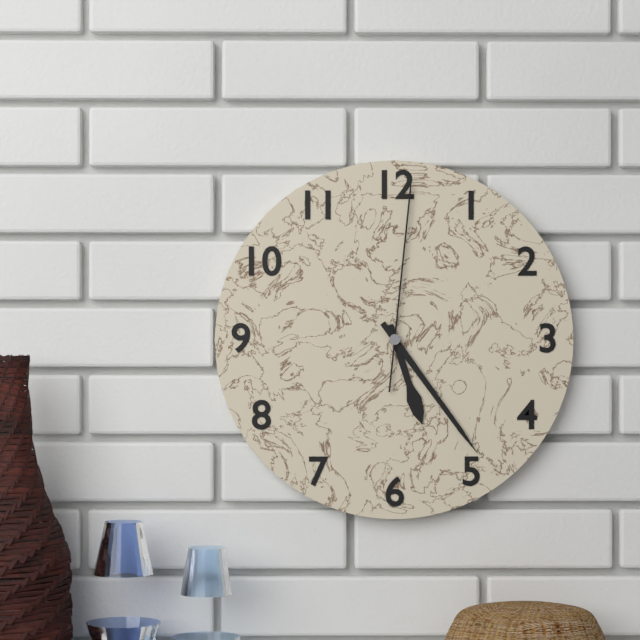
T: **5:24:01**
